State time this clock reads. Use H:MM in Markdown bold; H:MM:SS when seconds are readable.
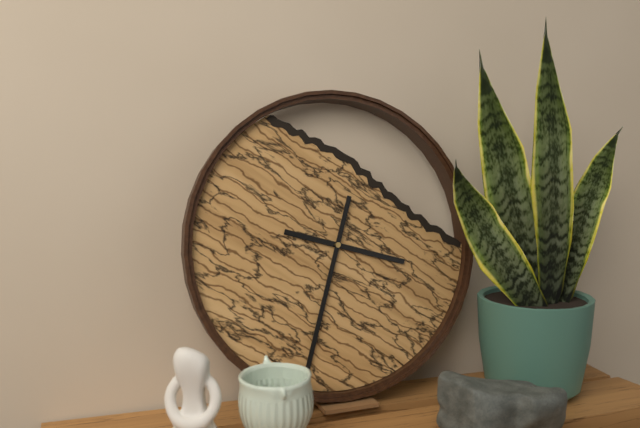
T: **3:33**
